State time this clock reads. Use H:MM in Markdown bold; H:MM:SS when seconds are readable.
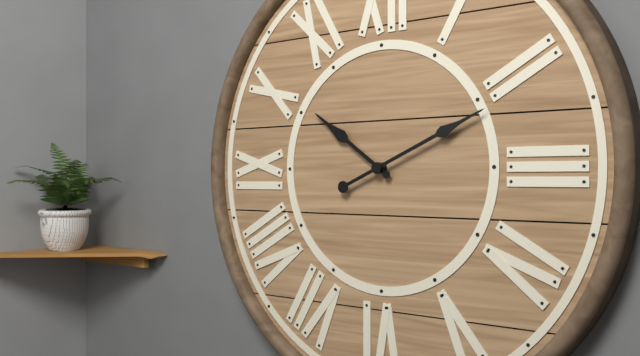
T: **10:11**
